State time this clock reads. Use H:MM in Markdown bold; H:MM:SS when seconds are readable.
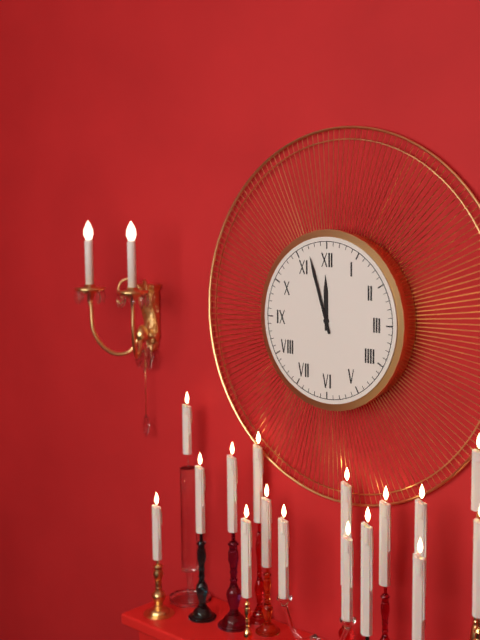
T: **11:57**
